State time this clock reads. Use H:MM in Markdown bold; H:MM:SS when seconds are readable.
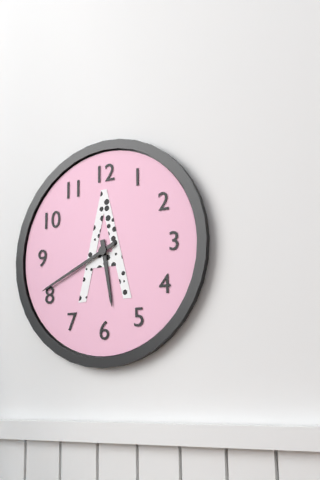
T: **5:41**
